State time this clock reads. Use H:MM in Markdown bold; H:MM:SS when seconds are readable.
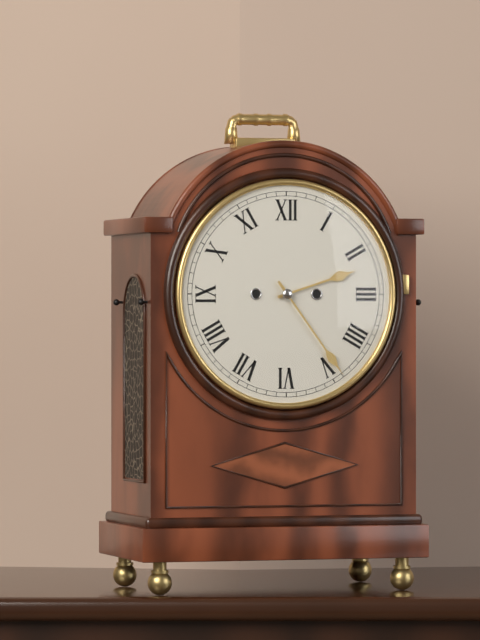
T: **2:24**
